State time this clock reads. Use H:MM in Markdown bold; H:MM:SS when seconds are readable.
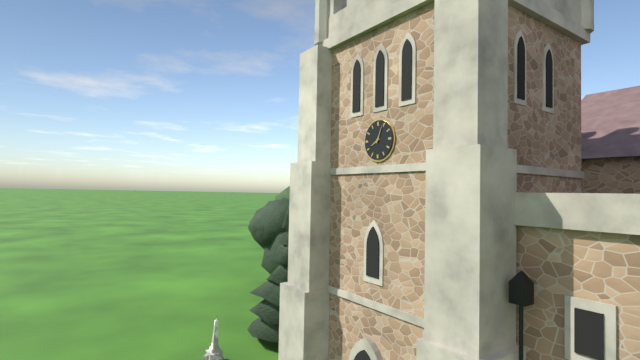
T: **8:04**
